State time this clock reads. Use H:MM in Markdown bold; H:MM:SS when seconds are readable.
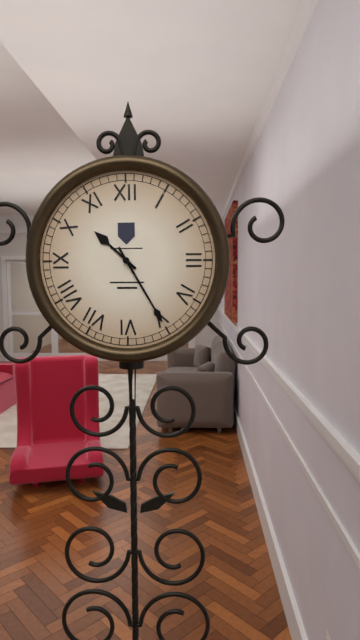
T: **10:25**
